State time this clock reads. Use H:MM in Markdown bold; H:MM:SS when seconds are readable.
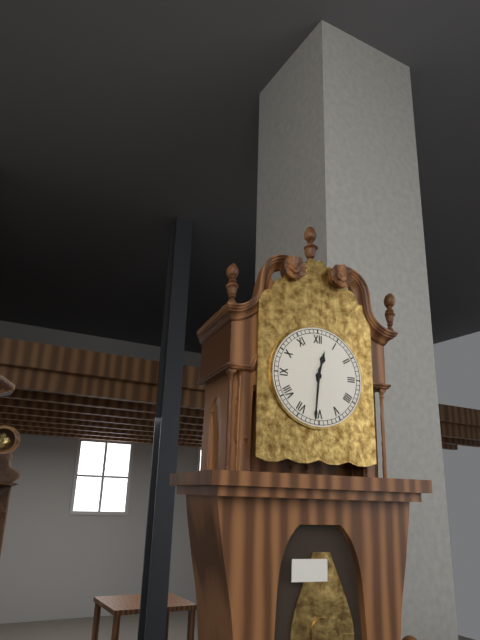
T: **12:31**
